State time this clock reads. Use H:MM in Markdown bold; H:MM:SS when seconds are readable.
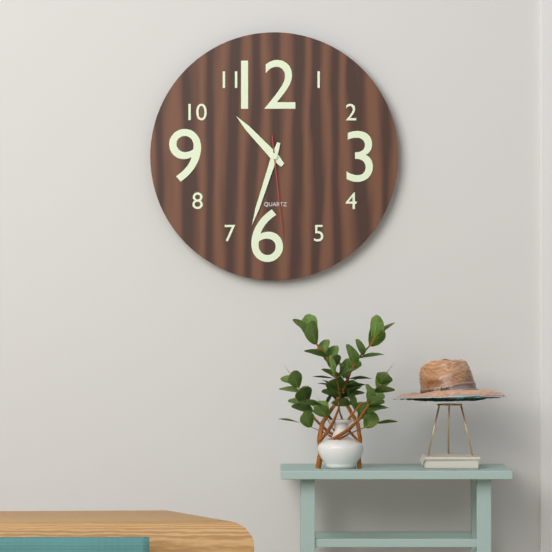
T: **10:33:29**
